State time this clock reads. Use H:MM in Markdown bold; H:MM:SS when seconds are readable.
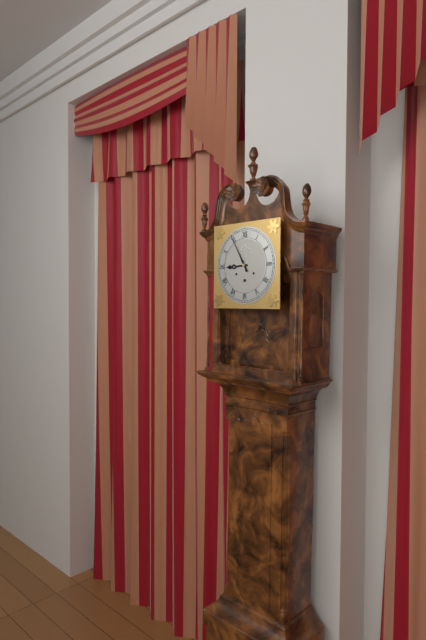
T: **8:55**
